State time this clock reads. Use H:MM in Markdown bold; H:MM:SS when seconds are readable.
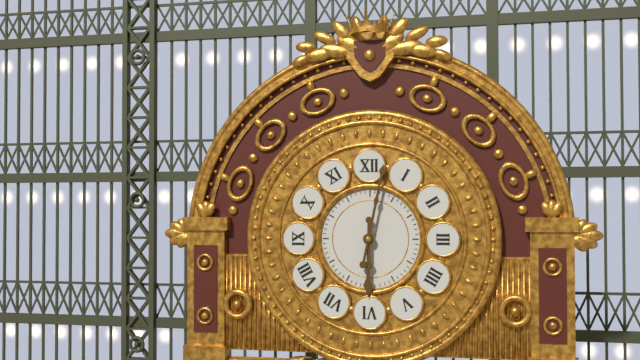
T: **6:02**
